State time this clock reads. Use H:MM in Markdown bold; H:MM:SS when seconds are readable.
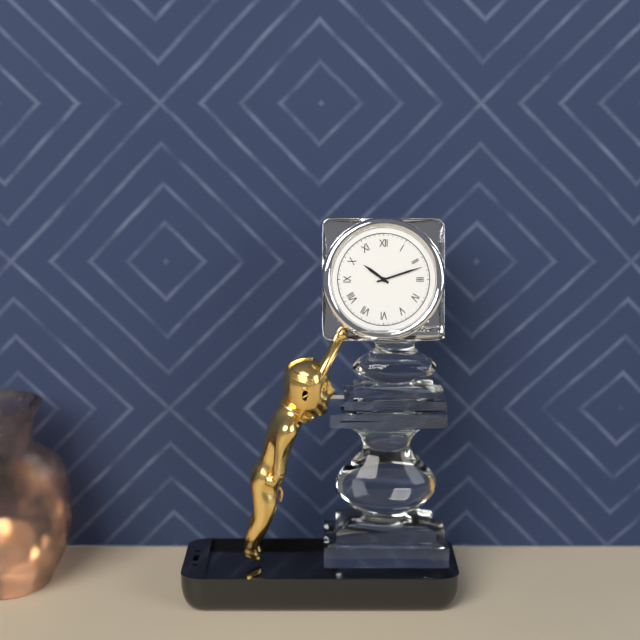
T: **10:12**
